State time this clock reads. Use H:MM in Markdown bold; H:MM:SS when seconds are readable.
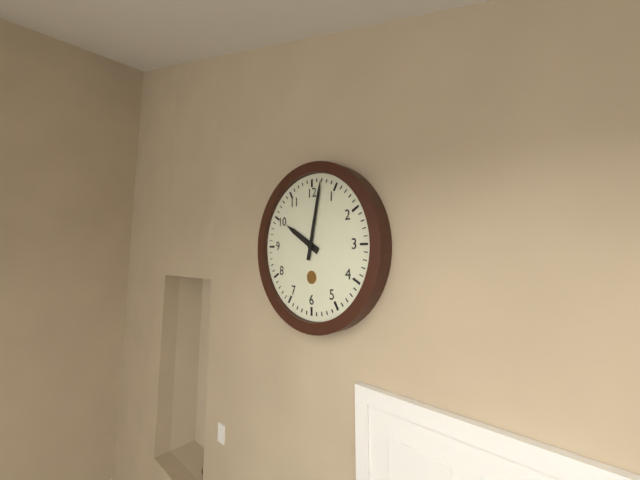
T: **10:02**
